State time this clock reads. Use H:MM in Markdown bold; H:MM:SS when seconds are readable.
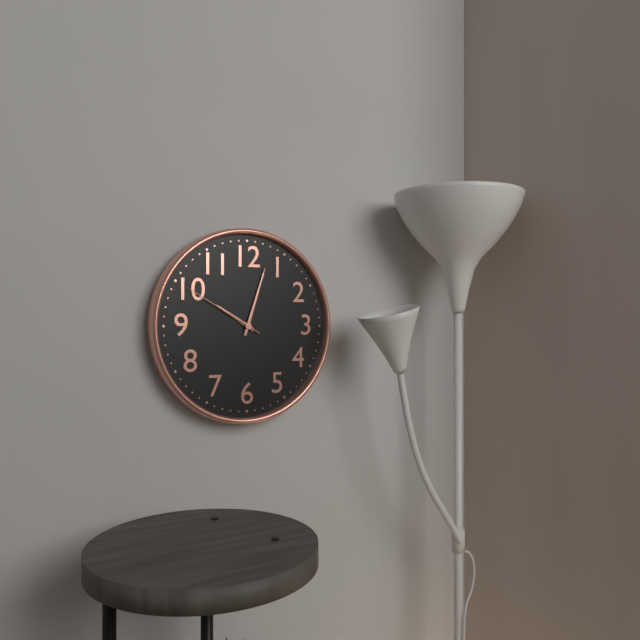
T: **10:03:50**
